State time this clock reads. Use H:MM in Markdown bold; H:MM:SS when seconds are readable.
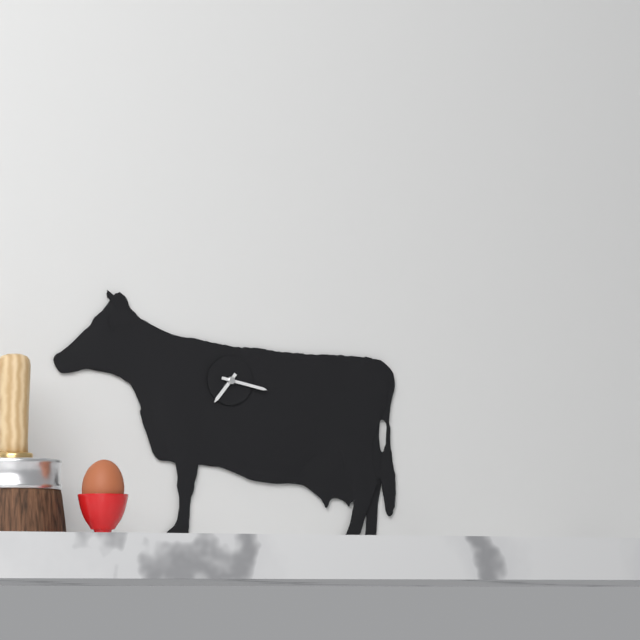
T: **7:17**
